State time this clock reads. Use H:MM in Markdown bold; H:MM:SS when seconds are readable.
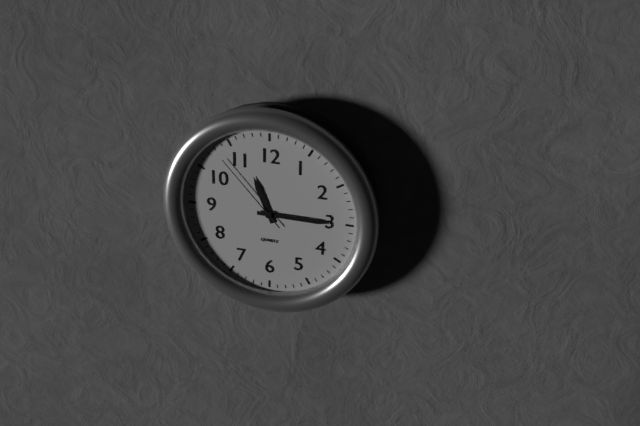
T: **11:15:53**
